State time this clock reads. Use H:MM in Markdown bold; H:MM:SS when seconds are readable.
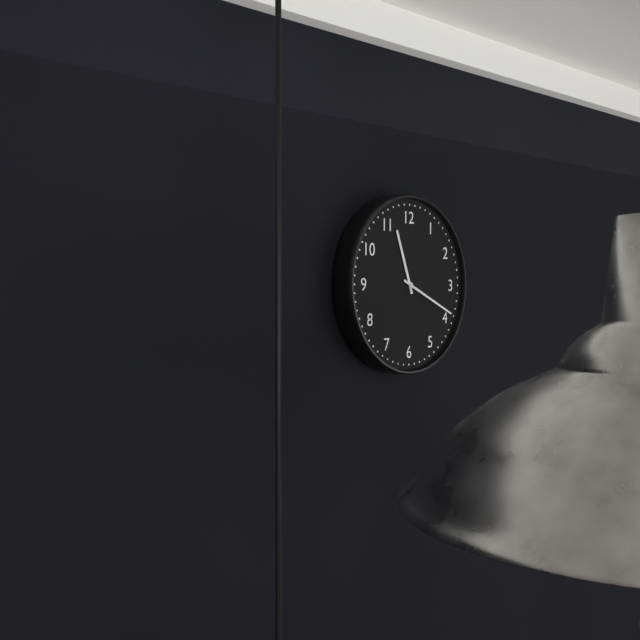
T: **11:19**
